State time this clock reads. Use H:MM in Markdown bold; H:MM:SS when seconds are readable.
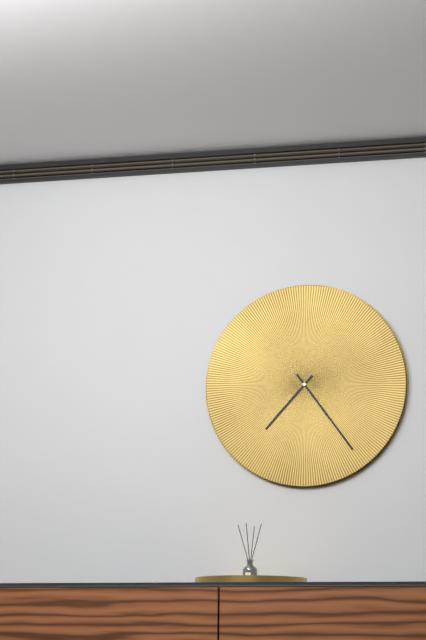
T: **7:24**
